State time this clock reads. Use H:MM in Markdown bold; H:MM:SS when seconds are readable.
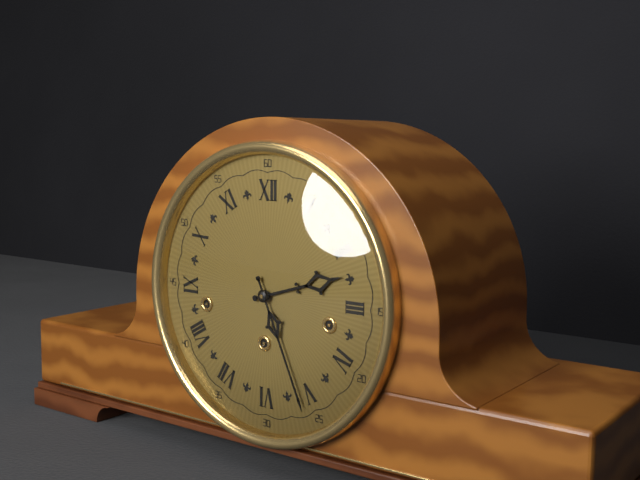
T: **2:26**
